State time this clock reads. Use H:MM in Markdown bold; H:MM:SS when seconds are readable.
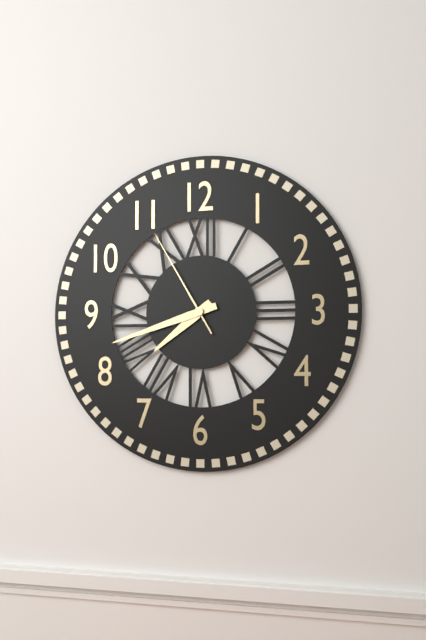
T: **7:42:55**
